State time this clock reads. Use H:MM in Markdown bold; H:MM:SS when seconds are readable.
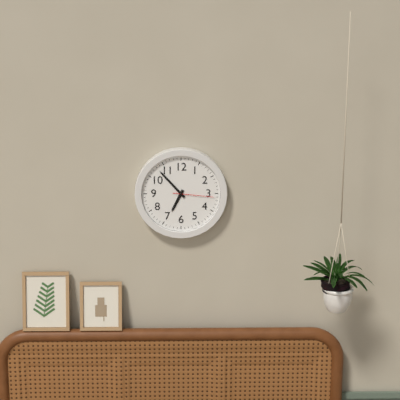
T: **6:53**
